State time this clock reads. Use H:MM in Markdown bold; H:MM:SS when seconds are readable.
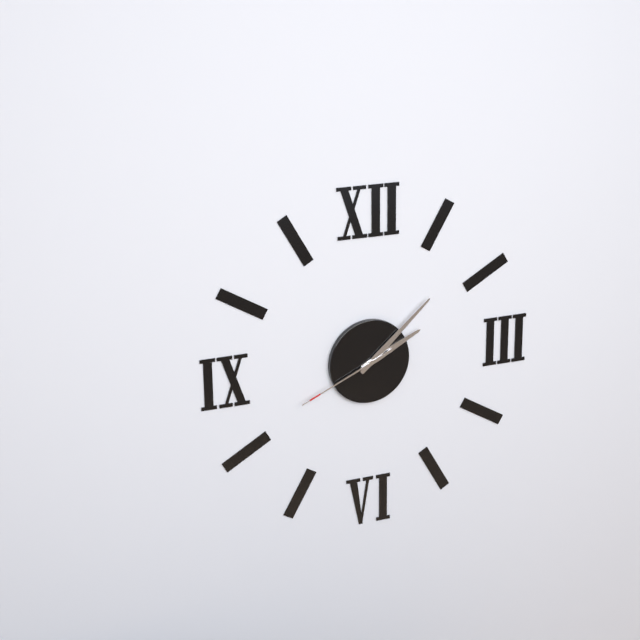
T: **2:08:41**
